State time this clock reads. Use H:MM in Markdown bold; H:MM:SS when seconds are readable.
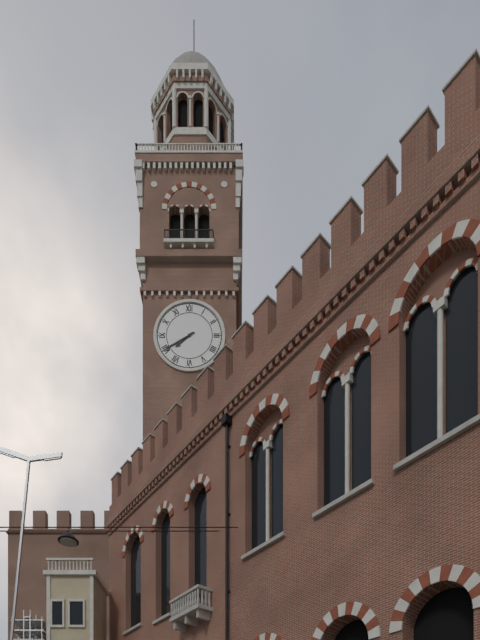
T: **7:40**
